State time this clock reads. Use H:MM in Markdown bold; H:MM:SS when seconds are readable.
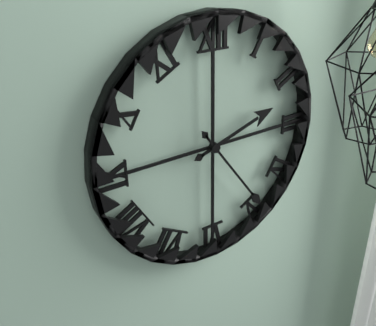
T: **2:24**
